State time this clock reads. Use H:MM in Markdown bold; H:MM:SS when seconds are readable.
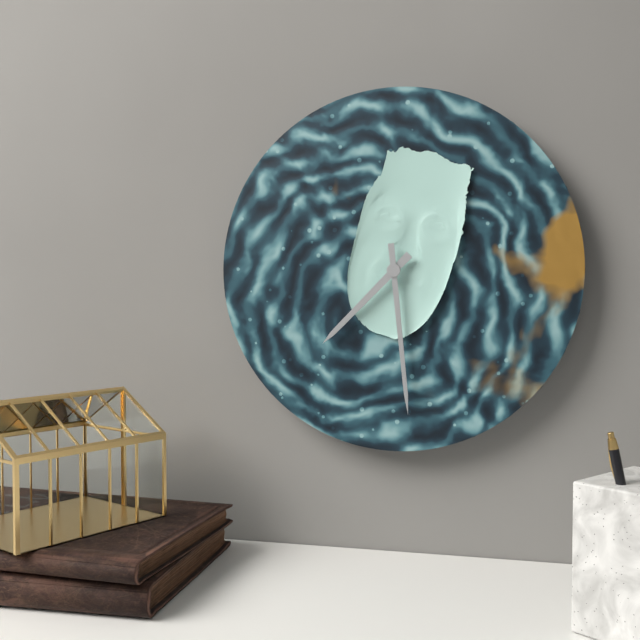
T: **7:29**
